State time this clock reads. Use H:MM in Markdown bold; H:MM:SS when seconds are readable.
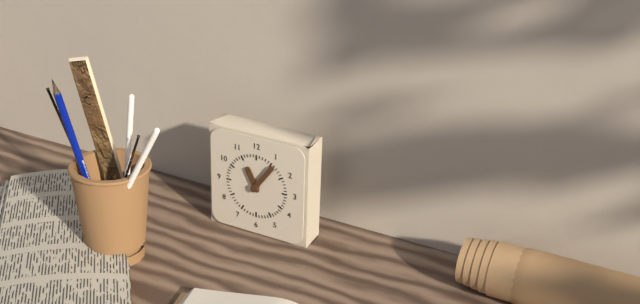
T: **11:06**
